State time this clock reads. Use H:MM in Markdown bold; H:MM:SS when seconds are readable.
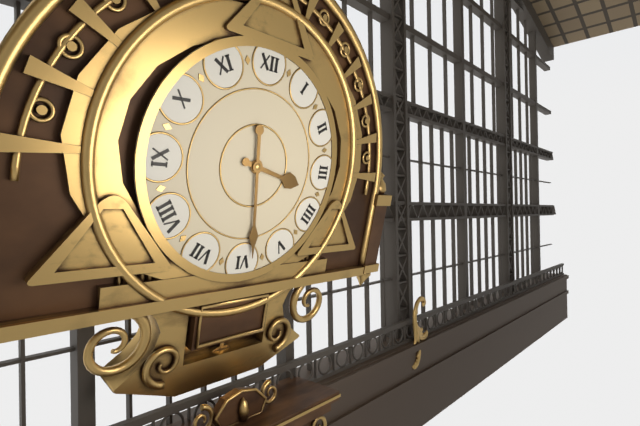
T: **3:29**
